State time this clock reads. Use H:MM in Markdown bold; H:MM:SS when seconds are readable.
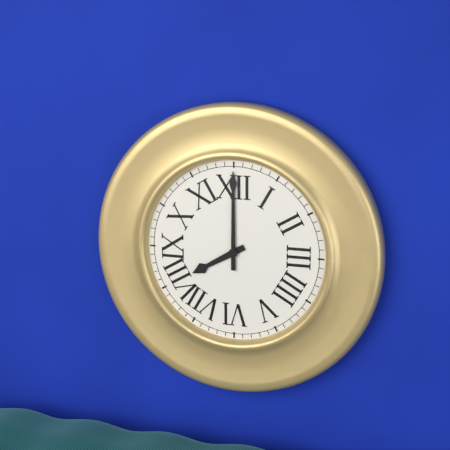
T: **8:00**
